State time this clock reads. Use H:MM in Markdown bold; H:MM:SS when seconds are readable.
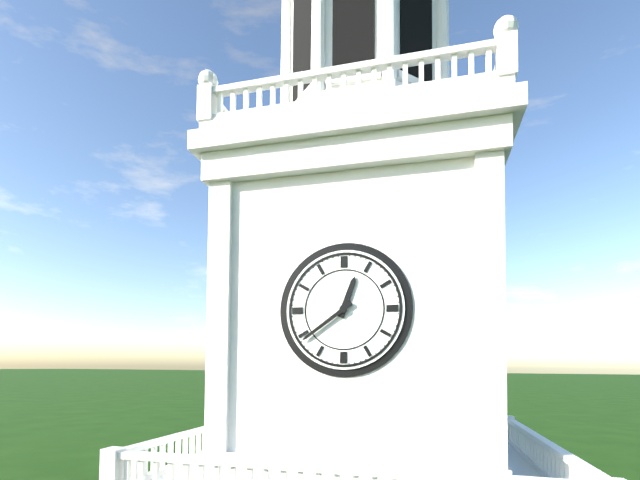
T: **12:39**
